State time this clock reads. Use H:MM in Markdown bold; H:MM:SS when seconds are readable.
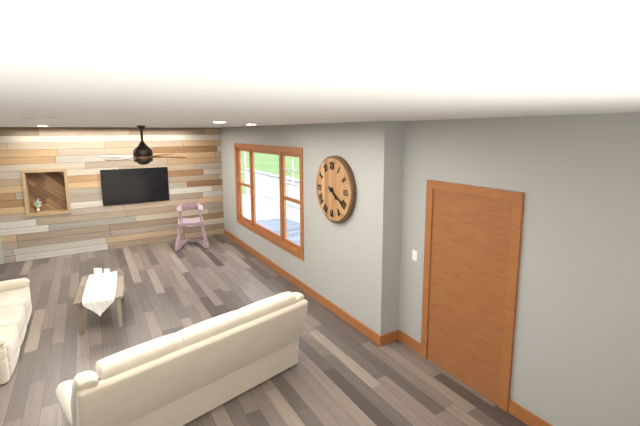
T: **4:20**
